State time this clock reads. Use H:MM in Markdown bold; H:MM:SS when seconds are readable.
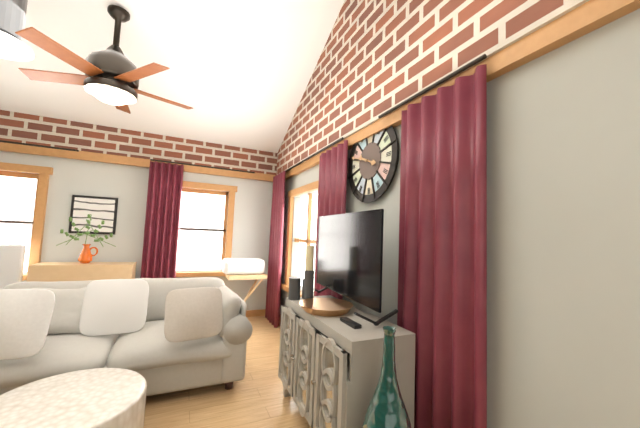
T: **9:48**
